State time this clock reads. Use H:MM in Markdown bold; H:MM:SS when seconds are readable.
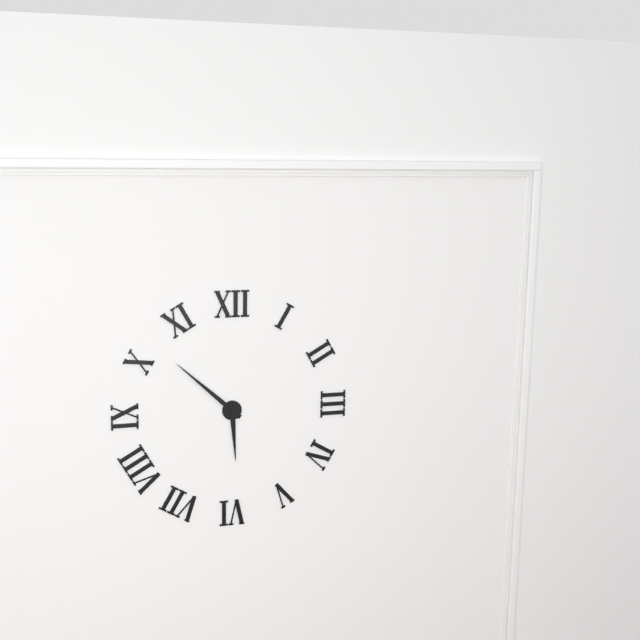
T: **5:52**
